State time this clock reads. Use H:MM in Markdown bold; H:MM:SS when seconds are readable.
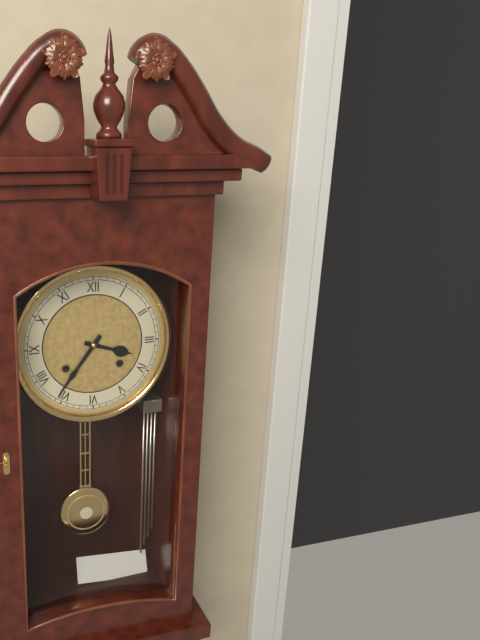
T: **3:36**
